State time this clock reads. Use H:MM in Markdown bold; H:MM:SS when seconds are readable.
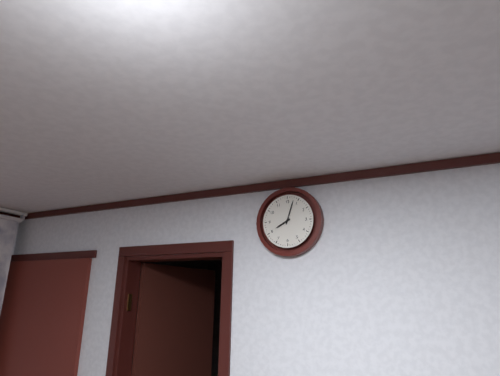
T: **8:03**
